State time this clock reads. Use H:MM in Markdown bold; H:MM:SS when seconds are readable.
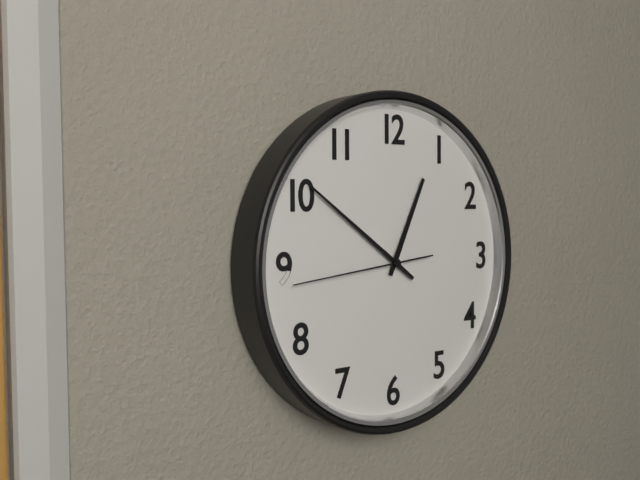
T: **12:51:44**
